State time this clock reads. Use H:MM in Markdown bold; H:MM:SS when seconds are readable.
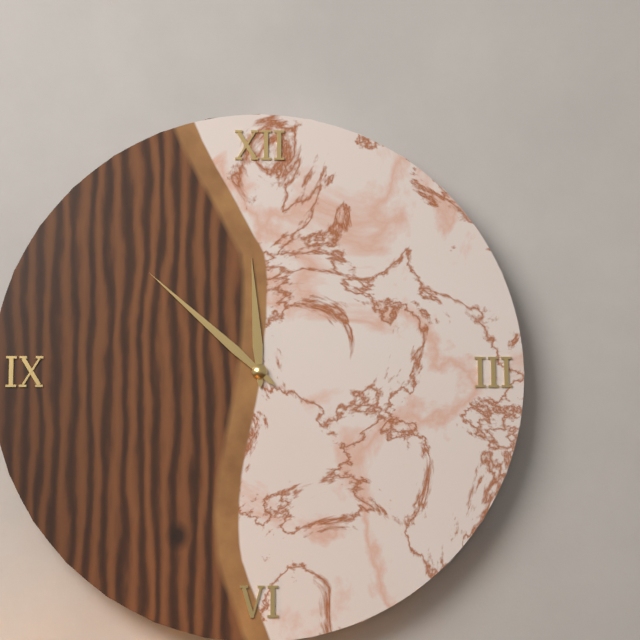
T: **11:52**
